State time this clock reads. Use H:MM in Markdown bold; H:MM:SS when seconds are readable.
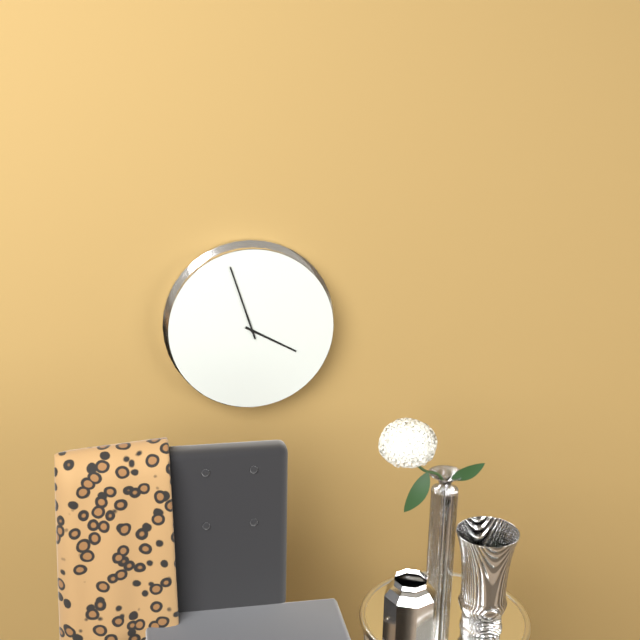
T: **3:57**
